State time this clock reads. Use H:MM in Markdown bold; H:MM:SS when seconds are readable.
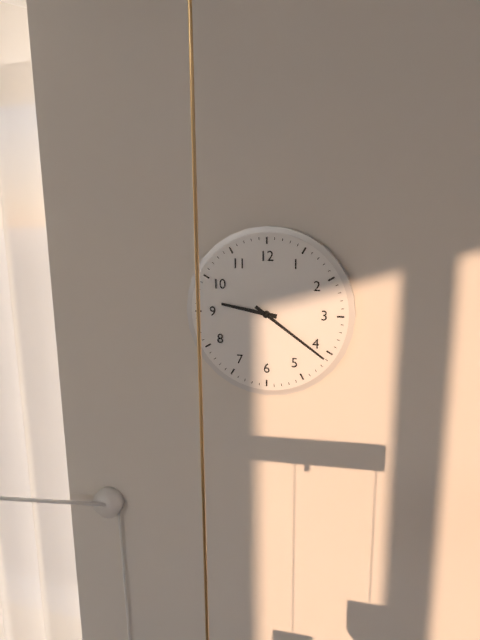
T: **9:21**
